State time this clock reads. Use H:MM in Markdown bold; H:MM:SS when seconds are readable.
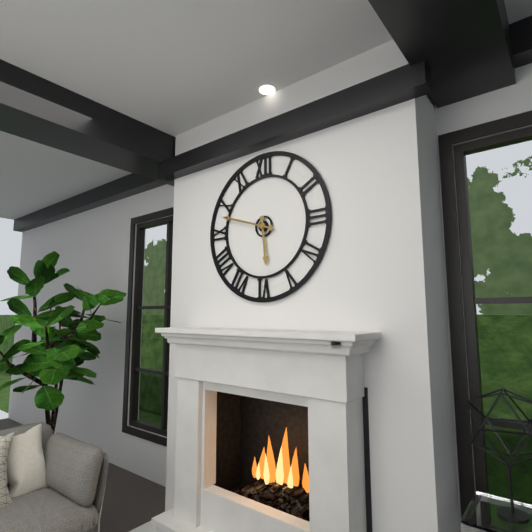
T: **5:48**
